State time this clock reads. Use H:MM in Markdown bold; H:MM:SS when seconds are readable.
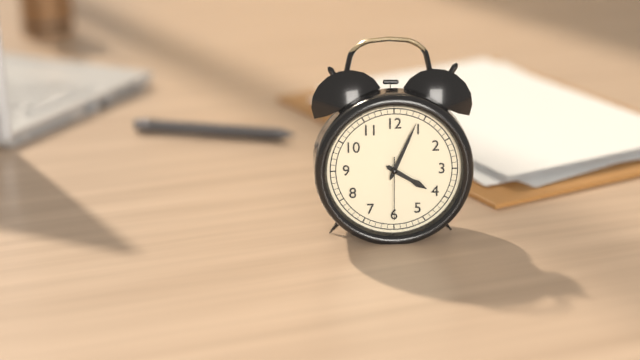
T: **4:04:30**
